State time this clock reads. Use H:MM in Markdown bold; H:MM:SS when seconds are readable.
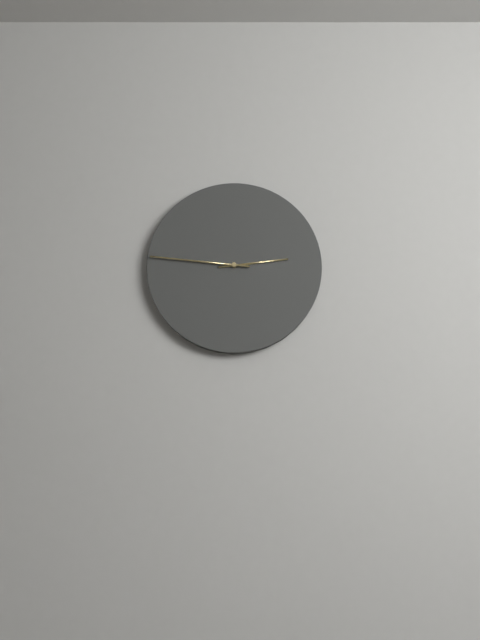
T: **2:46**
